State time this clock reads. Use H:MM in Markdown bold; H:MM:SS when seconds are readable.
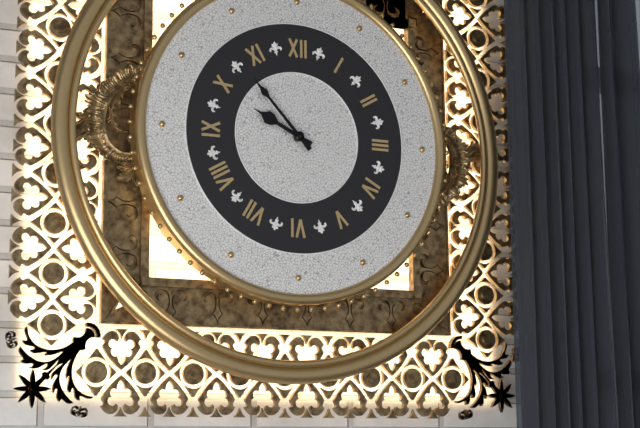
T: **9:53**
